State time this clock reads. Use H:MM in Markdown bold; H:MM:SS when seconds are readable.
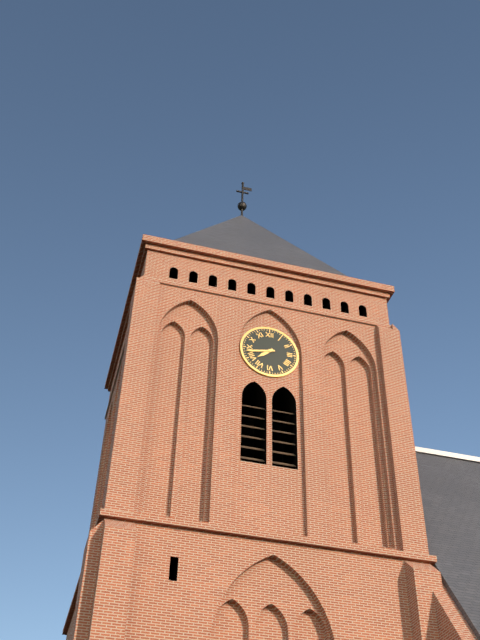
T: **7:43**
